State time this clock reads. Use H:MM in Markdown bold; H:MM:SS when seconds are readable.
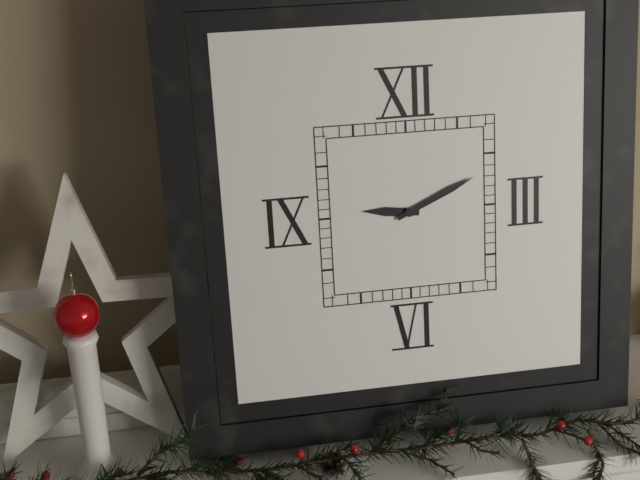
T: **9:11**
